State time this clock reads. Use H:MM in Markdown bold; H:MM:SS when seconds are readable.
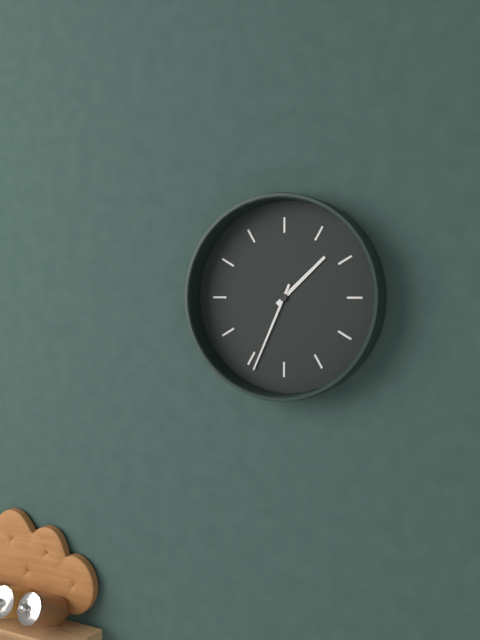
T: **1:34**
